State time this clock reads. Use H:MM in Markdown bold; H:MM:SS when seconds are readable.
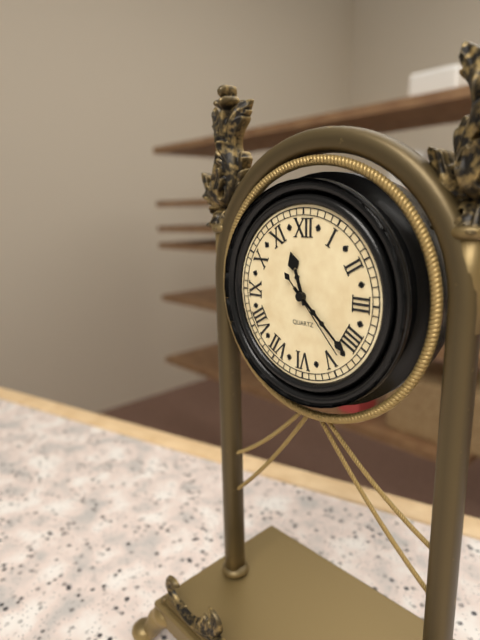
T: **11:22:23**
